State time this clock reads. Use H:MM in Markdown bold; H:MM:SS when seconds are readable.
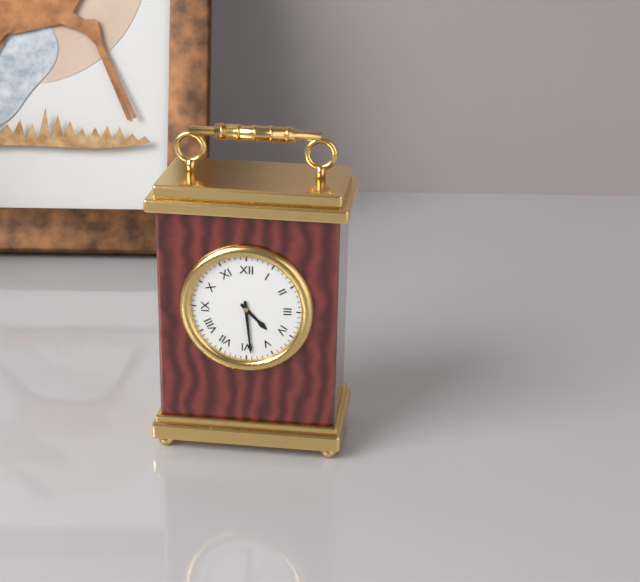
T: **4:29**
